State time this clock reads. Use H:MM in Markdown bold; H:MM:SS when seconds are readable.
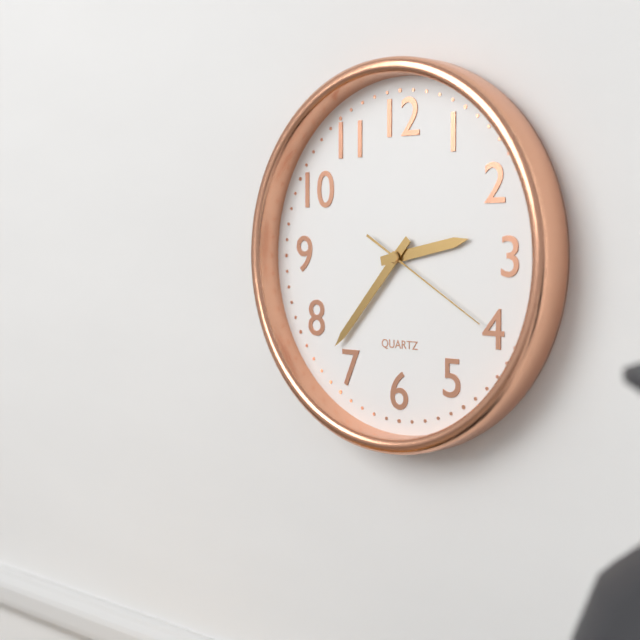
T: **2:37:20**
